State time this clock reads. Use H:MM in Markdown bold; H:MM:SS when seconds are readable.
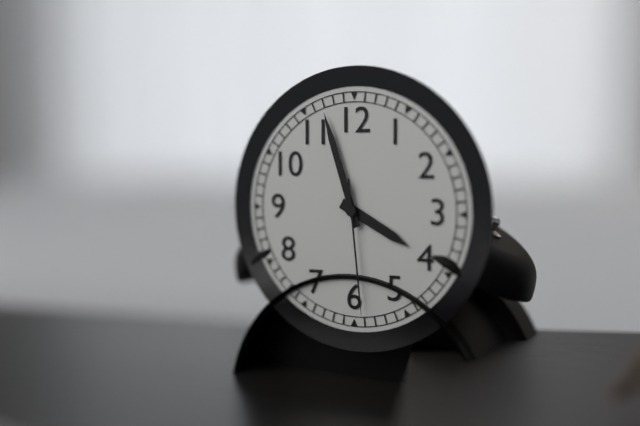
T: **3:57:29**
